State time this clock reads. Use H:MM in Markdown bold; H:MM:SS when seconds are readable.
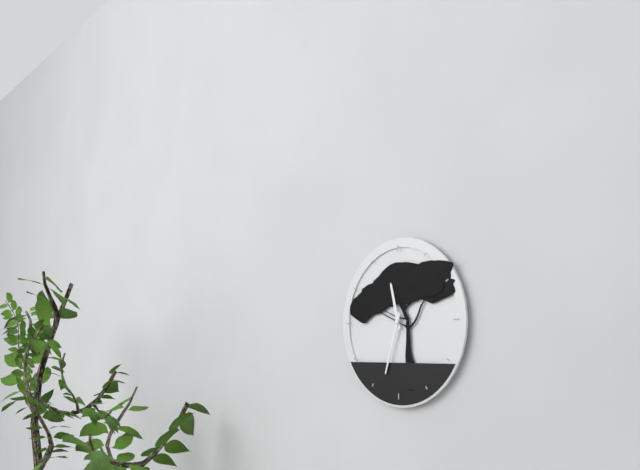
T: **11:33**
